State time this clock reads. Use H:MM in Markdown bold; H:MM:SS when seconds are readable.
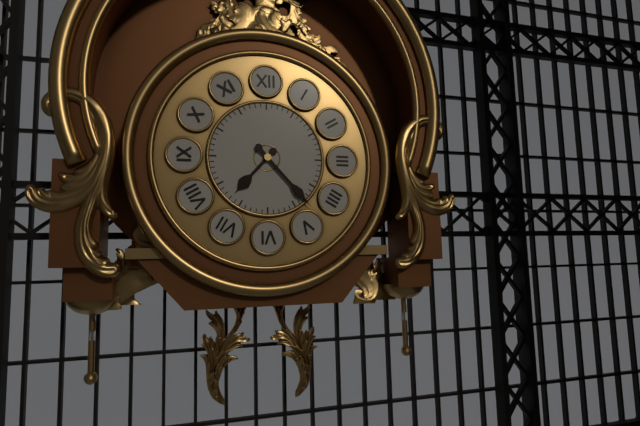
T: **7:23**
